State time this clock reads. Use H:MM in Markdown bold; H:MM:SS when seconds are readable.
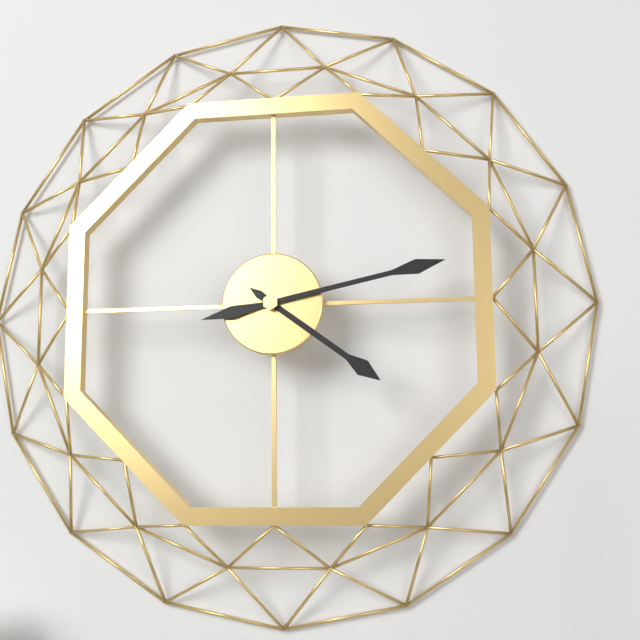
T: **4:13**
